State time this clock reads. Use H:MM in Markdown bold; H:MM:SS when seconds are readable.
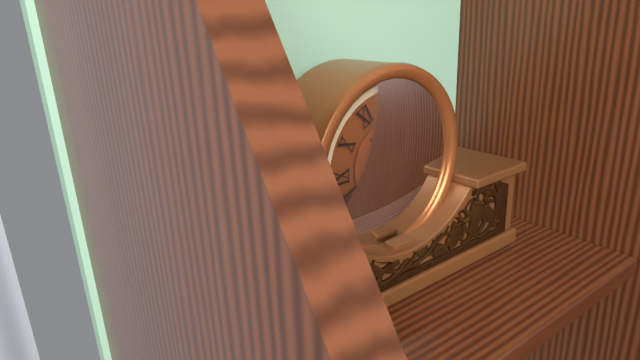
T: **10:42**
